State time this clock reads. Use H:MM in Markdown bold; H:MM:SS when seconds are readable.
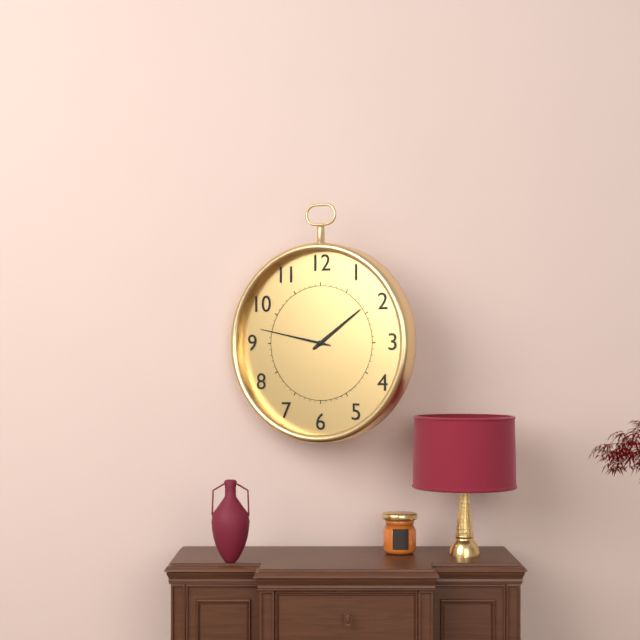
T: **1:47**
